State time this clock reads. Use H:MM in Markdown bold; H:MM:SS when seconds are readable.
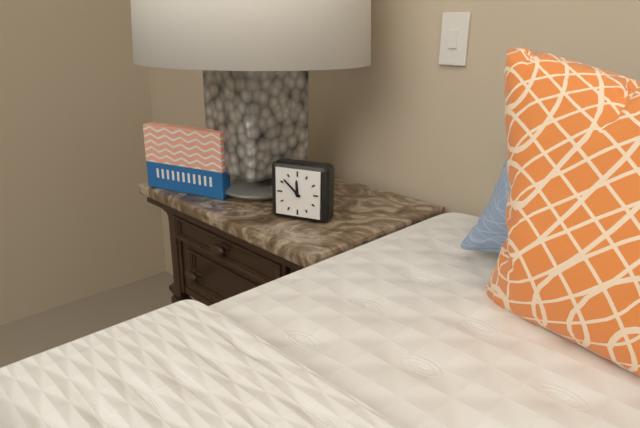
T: **11:52**
